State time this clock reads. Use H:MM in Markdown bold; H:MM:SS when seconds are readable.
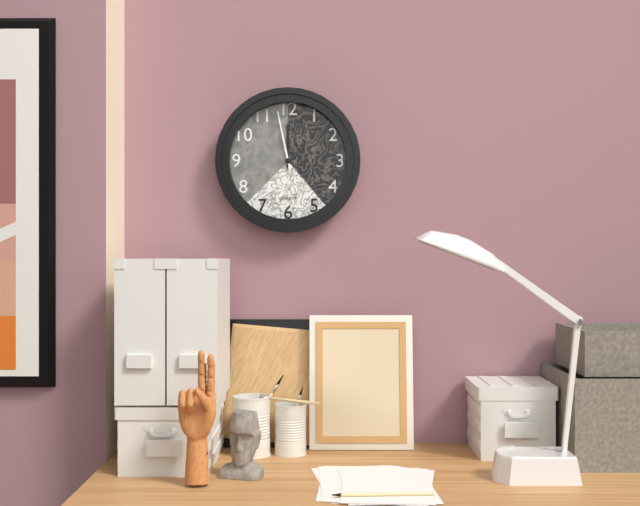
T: **11:58**
